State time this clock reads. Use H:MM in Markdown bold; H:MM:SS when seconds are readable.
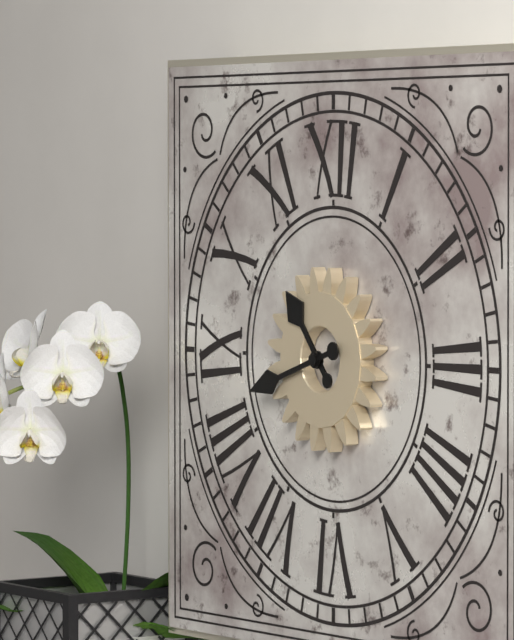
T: **10:42**
